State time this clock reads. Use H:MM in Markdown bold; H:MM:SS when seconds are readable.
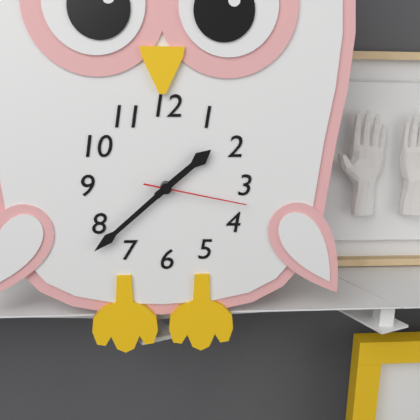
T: **1:38:17**
